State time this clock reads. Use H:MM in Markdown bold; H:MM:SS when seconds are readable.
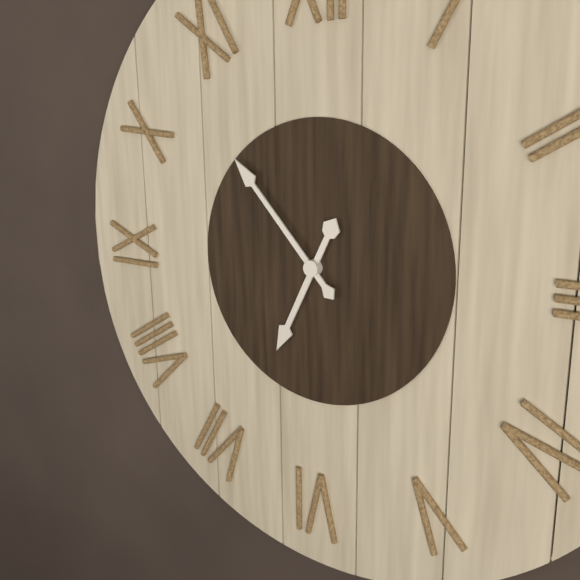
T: **6:53**
